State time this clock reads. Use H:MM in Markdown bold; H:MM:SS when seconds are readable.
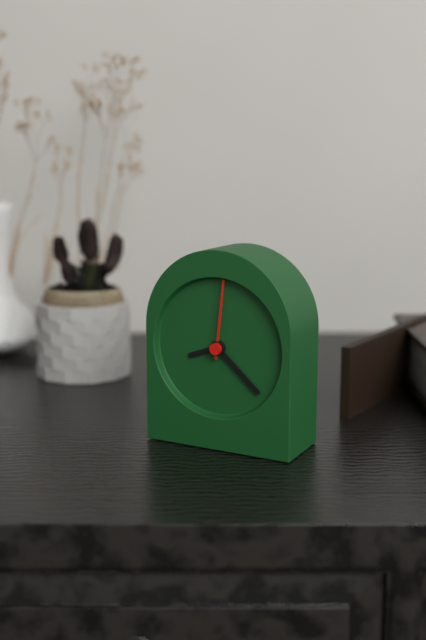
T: **8:22:01**
